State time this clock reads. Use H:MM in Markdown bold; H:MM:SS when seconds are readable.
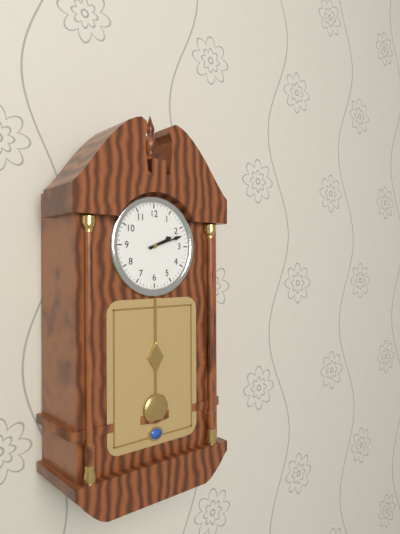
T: **2:12**
